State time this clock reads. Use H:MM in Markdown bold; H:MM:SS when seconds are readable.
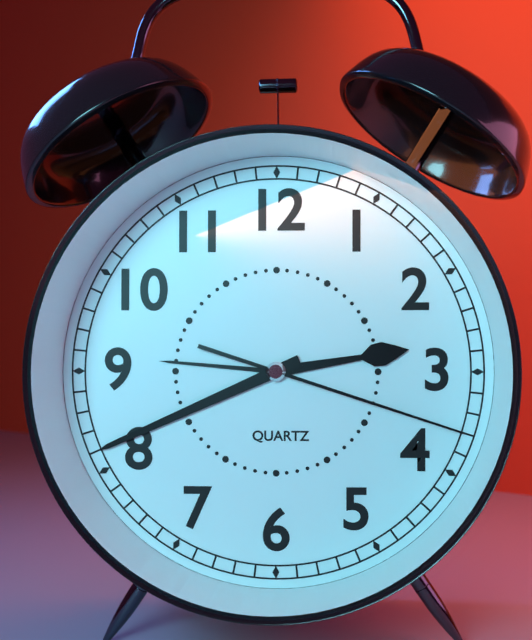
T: **2:41:18**
